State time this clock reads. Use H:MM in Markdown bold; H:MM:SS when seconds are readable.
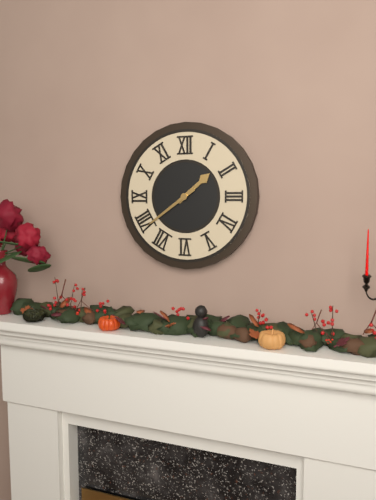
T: **1:39**
